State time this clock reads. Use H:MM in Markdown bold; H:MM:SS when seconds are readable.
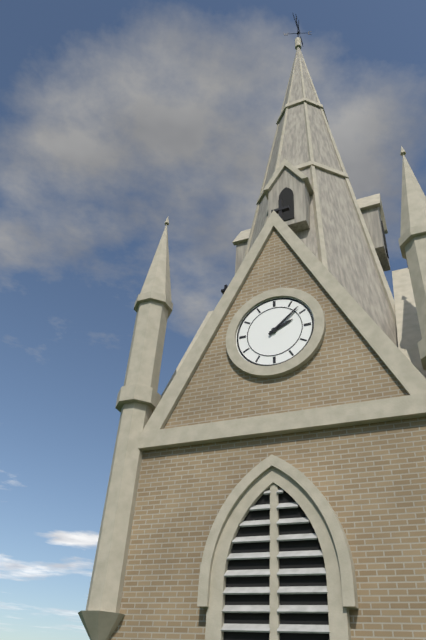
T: **2:08**
